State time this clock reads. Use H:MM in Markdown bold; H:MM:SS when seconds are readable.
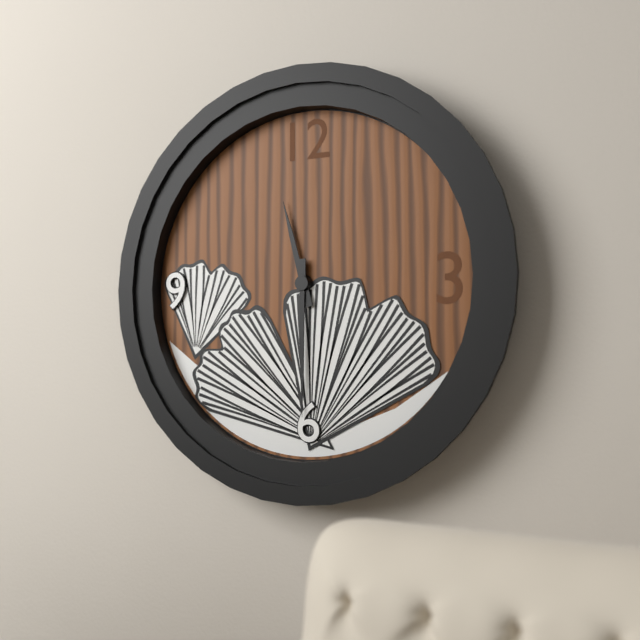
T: **11:30**
